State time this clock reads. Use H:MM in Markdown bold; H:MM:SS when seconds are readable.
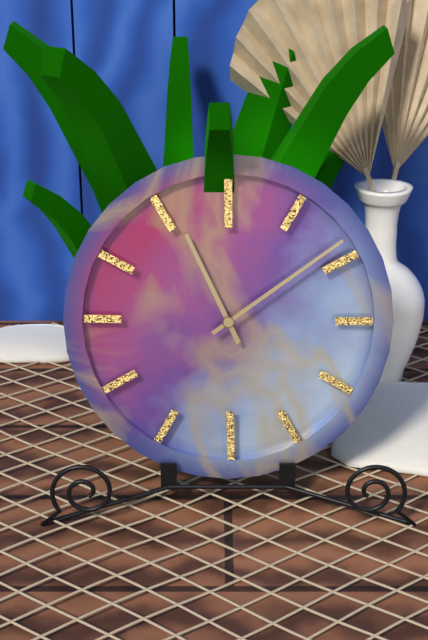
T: **11:09**
